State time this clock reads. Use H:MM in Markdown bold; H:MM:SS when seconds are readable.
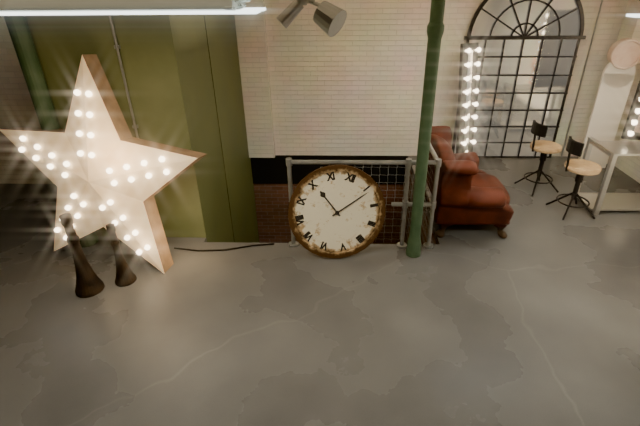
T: **10:06**
